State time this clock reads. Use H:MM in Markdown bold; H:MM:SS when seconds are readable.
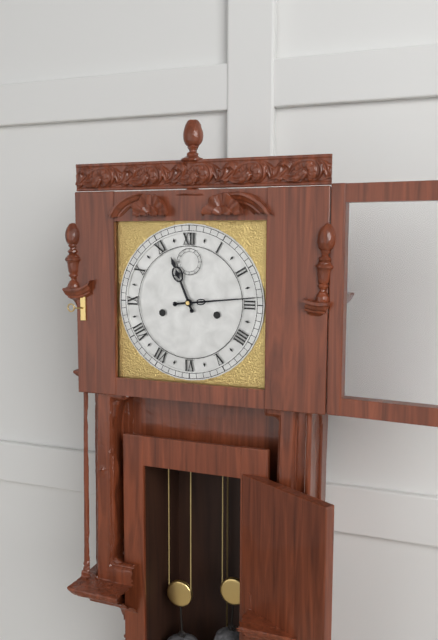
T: **11:14**
